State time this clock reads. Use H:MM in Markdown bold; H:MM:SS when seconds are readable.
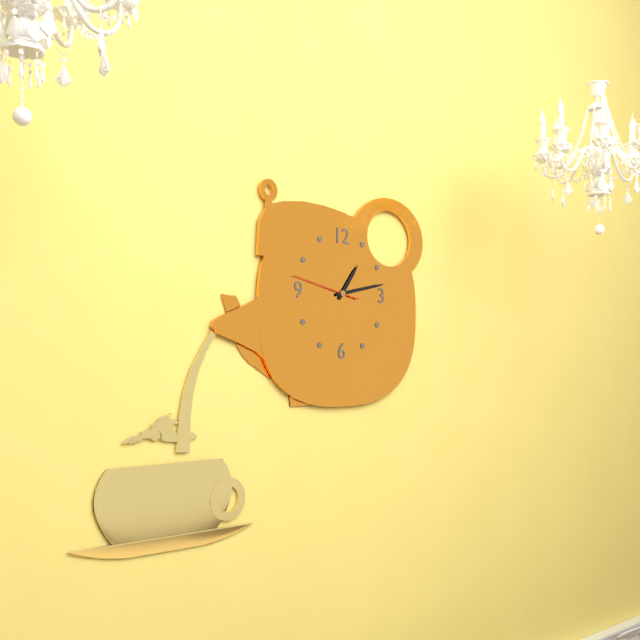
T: **1:13:47**
